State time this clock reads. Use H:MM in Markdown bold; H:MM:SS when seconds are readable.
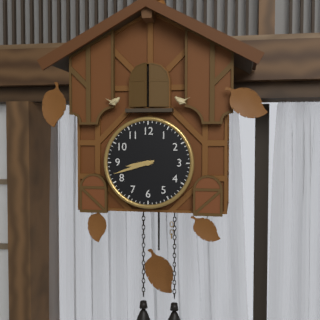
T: **8:42**
